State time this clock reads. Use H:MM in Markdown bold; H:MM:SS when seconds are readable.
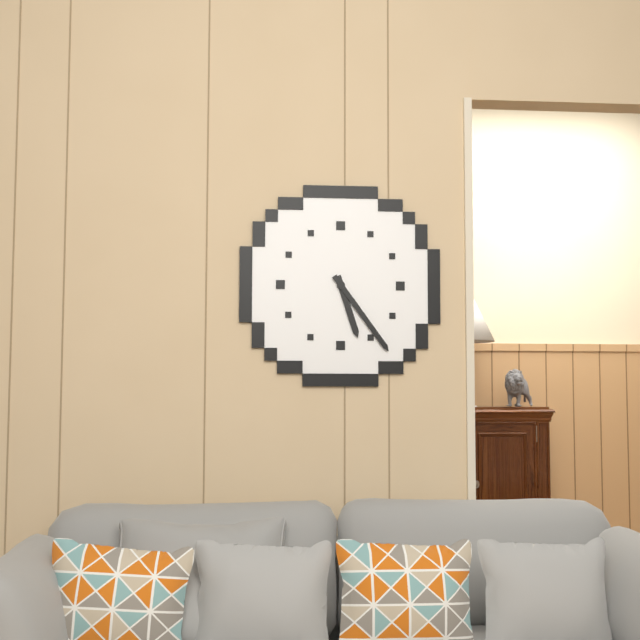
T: **5:24**
